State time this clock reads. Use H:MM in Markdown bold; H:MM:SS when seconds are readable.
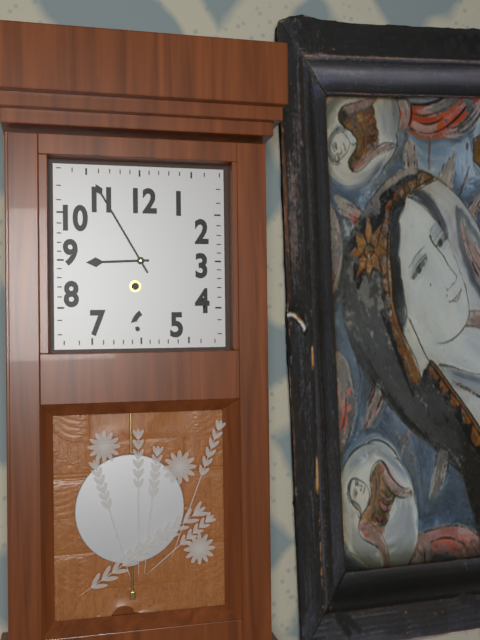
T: **8:55**
